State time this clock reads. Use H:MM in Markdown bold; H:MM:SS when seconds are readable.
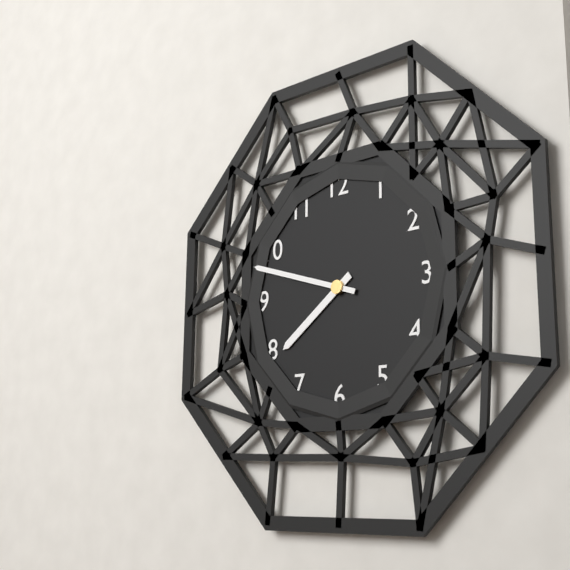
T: **7:48**
